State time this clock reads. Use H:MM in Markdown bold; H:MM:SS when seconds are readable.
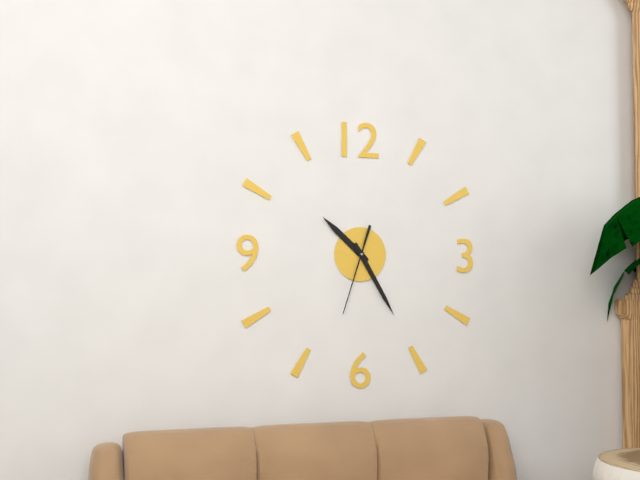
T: **10:25:33**
